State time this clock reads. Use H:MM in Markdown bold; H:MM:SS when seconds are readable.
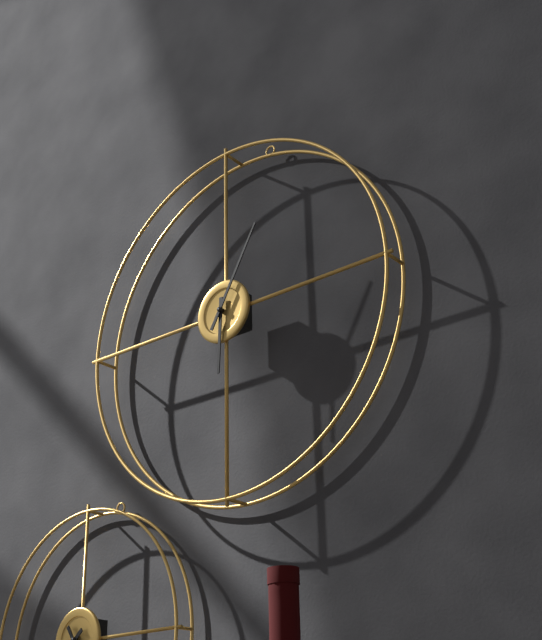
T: **6:05**
